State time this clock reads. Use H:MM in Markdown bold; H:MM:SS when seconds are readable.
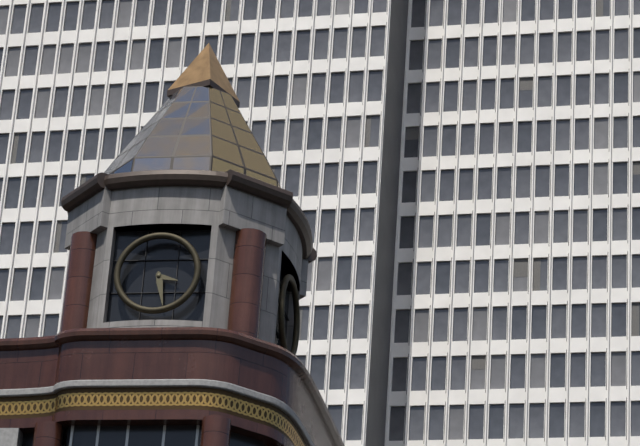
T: **3:28**
